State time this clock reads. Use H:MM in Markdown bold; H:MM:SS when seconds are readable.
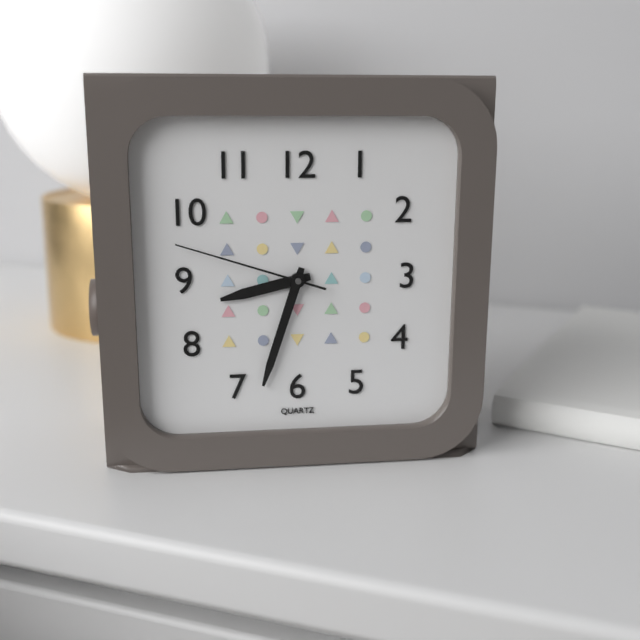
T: **8:33:48**
